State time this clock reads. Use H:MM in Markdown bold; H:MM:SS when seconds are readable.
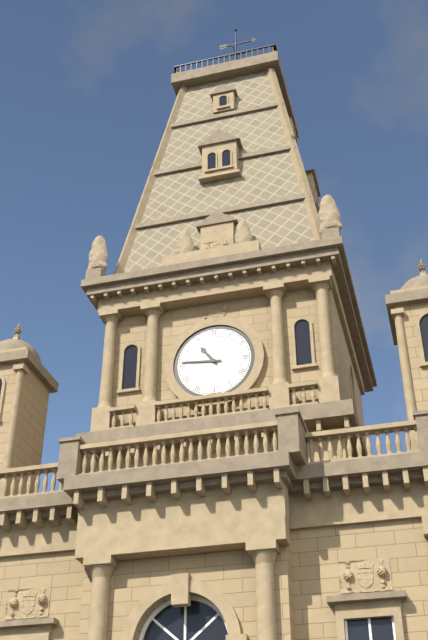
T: **10:46**
